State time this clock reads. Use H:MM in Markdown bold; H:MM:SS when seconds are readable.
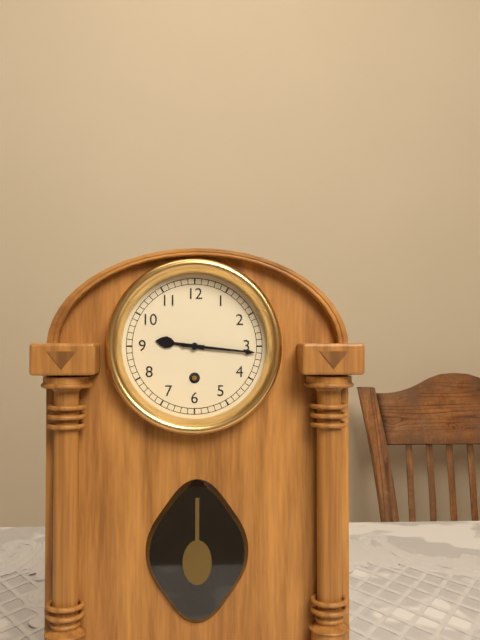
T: **9:16**
